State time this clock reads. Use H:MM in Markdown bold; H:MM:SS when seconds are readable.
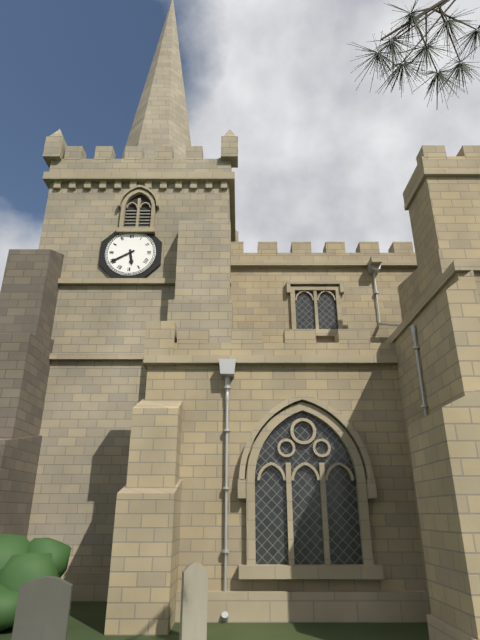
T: **5:40**
